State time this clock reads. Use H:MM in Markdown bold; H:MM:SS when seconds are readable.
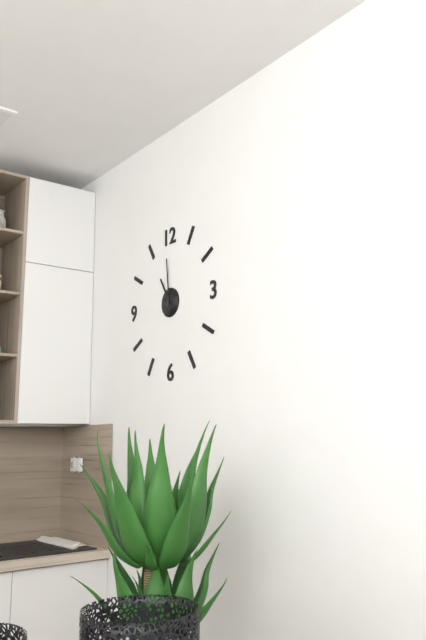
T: **10:59**
